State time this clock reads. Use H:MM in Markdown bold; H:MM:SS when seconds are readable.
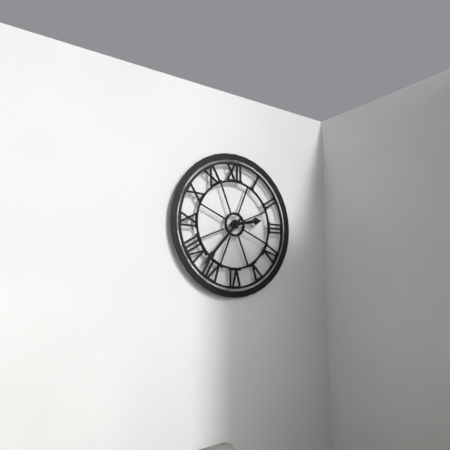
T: **2:37**
